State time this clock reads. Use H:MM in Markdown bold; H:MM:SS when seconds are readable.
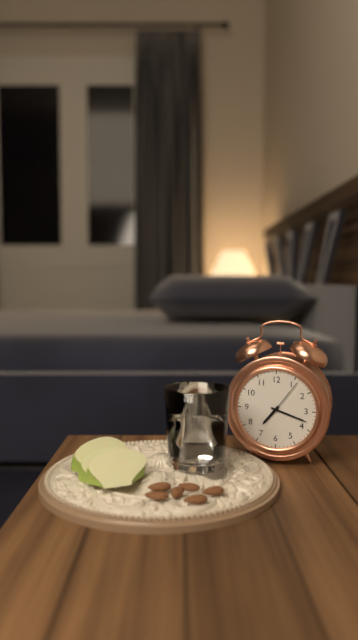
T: **7:18**
